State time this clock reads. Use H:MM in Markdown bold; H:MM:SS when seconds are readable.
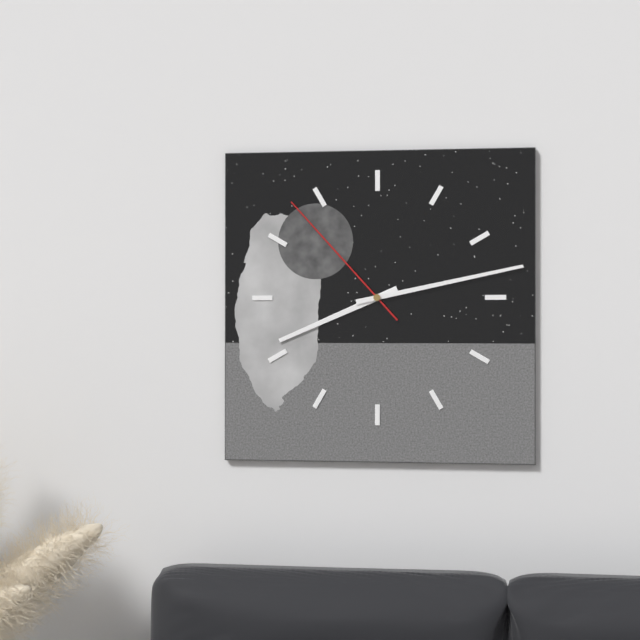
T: **8:13:53**
